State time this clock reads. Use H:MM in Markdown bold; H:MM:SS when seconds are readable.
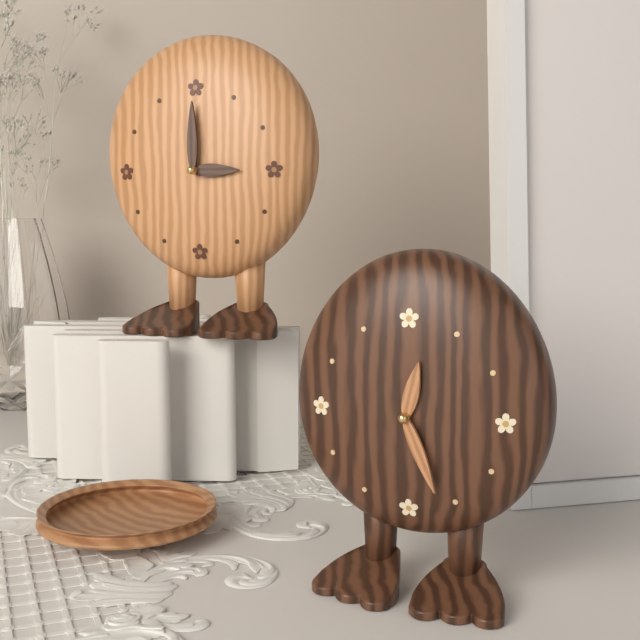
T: **12:26**
